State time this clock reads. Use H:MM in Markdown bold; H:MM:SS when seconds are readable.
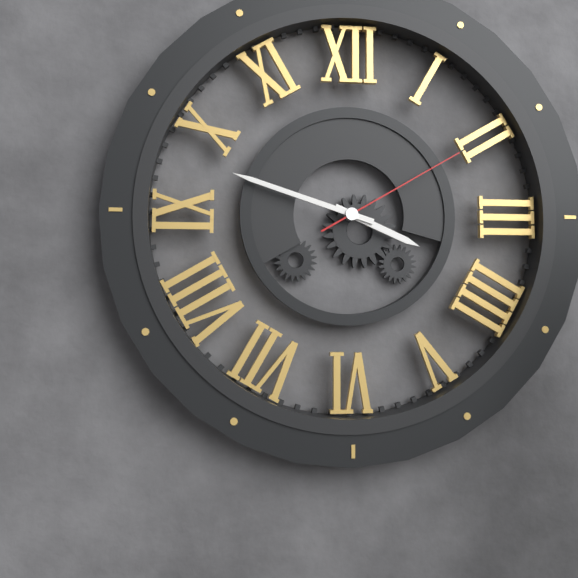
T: **3:48:10**
